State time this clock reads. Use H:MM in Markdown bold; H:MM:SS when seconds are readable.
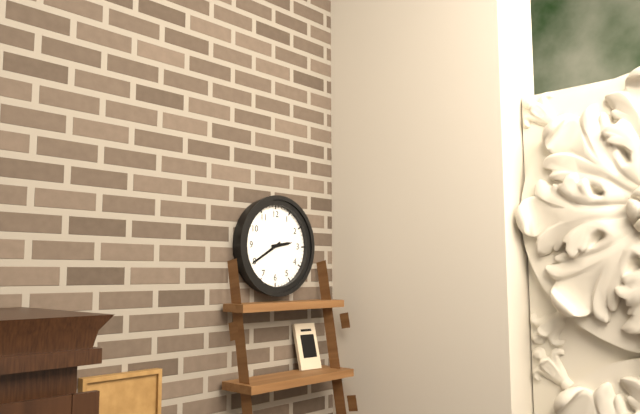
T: **2:40**
